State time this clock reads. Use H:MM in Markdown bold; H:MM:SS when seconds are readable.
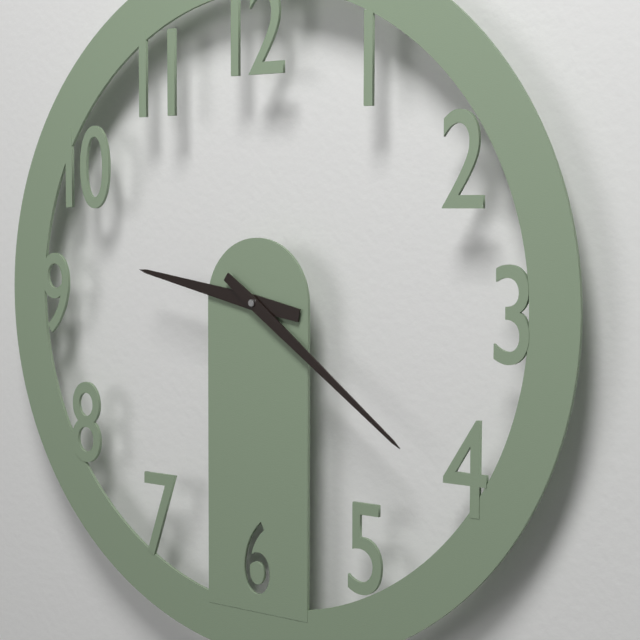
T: **9:21**
